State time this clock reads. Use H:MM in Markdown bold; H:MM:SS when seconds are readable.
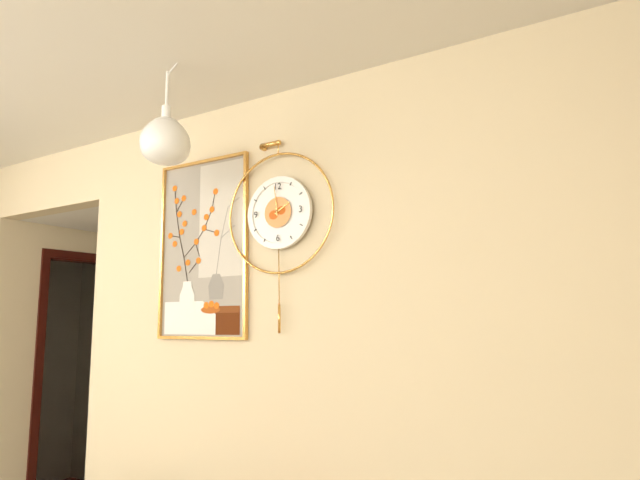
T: **1:59**
